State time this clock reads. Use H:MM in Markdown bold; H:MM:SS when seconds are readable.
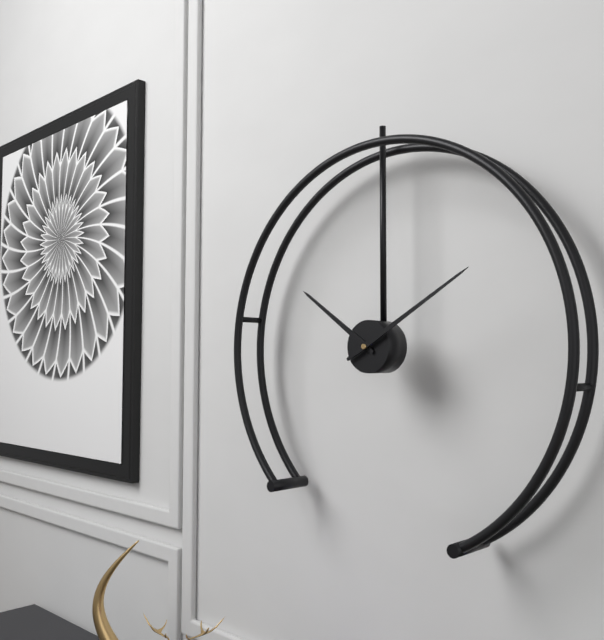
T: **10:10**
